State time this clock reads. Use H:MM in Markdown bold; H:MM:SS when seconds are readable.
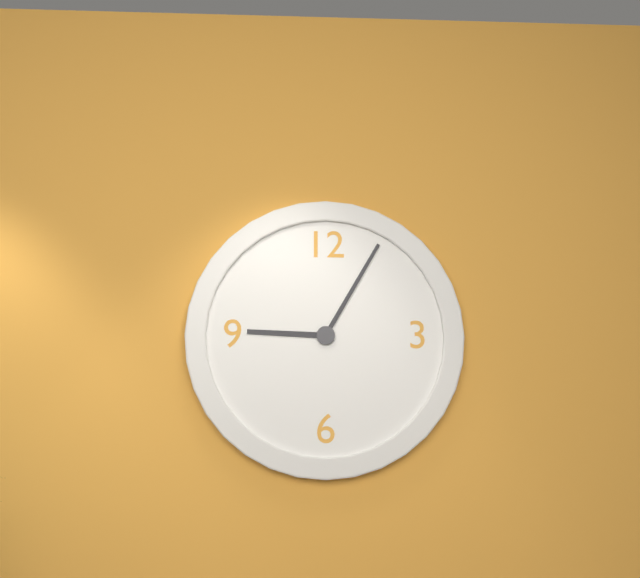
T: **9:05**
